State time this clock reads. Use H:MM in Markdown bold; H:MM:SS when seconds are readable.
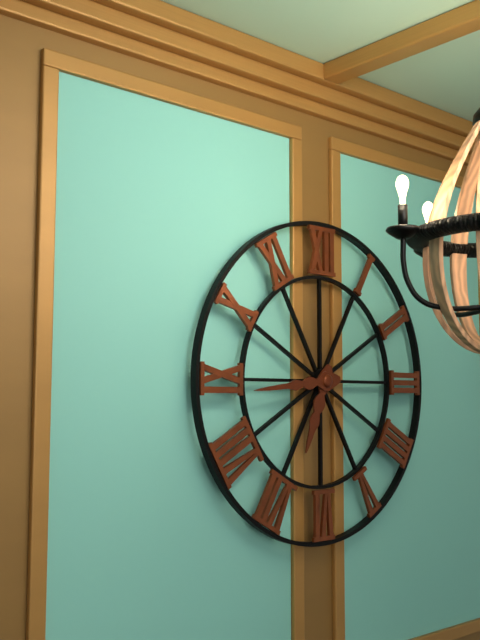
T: **6:44**
